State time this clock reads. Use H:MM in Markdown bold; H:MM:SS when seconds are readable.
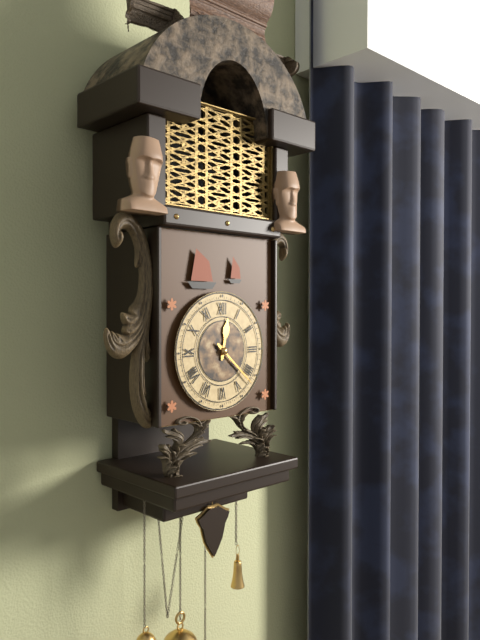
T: **12:22**
